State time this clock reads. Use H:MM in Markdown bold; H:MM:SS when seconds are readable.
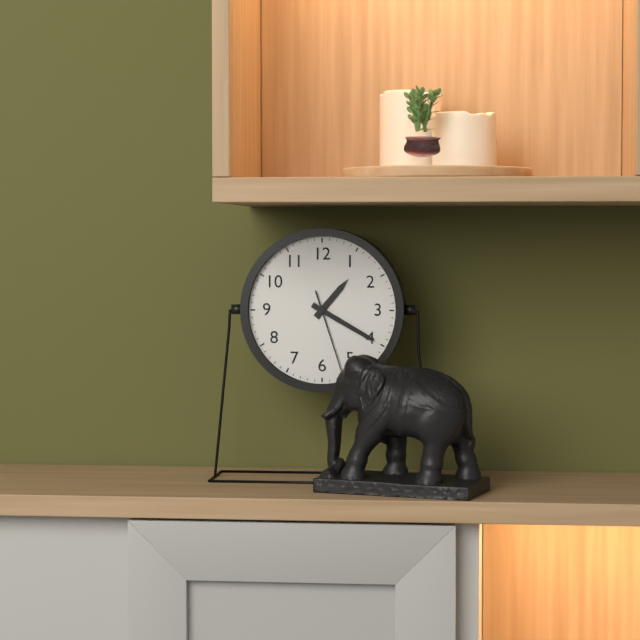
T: **1:20:27**
